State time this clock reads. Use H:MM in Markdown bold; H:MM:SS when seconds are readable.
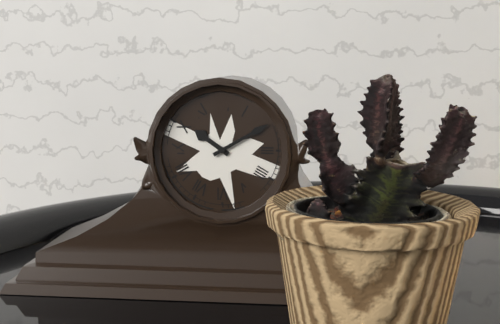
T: **10:10**
